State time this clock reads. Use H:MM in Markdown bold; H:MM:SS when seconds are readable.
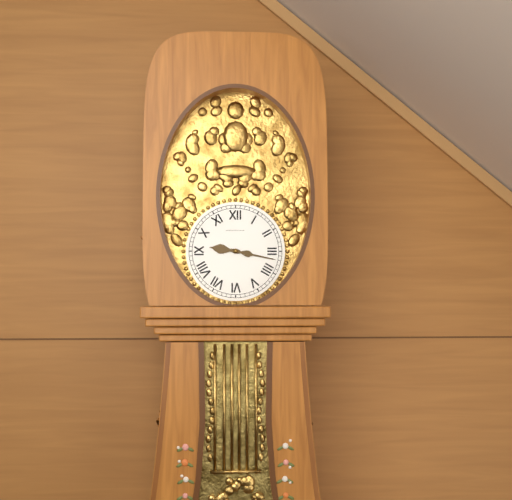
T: **9:17**
